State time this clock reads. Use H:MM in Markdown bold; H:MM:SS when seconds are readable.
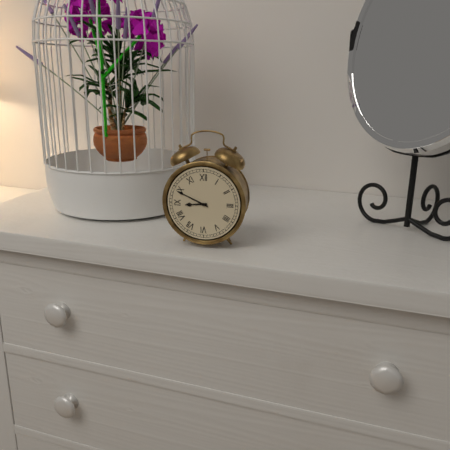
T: **8:49**
